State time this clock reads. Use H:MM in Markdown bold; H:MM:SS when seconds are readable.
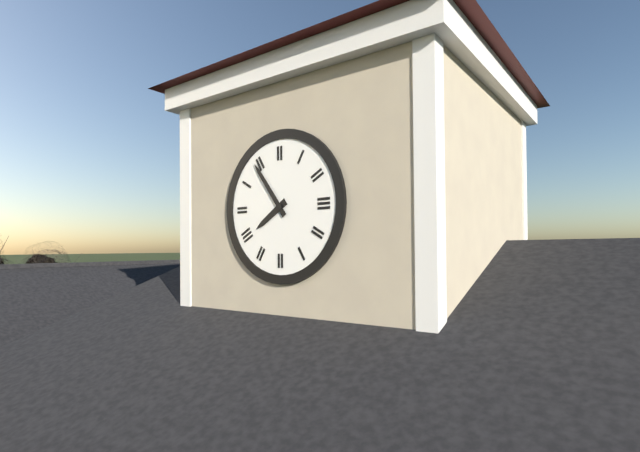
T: **7:54**
